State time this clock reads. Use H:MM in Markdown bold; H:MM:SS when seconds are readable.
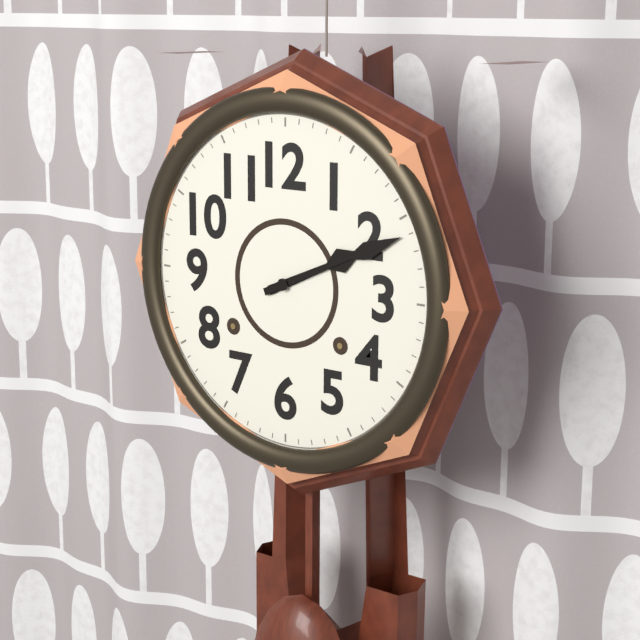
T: **2:11**
